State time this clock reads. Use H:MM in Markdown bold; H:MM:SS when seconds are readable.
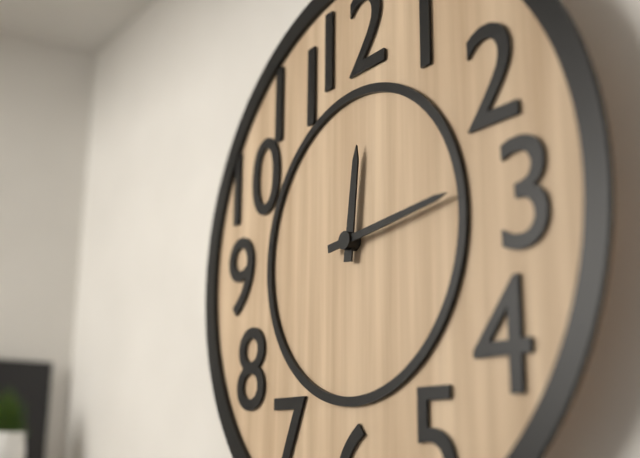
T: **12:14**
